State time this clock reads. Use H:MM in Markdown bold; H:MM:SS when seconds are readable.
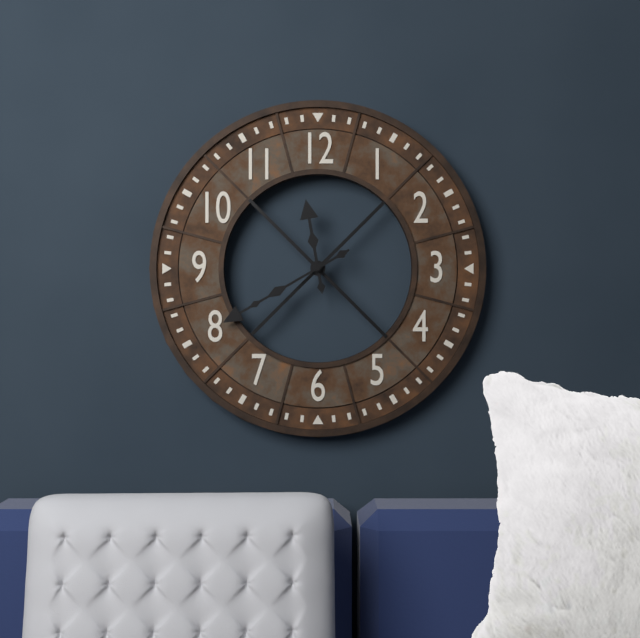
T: **11:40**
